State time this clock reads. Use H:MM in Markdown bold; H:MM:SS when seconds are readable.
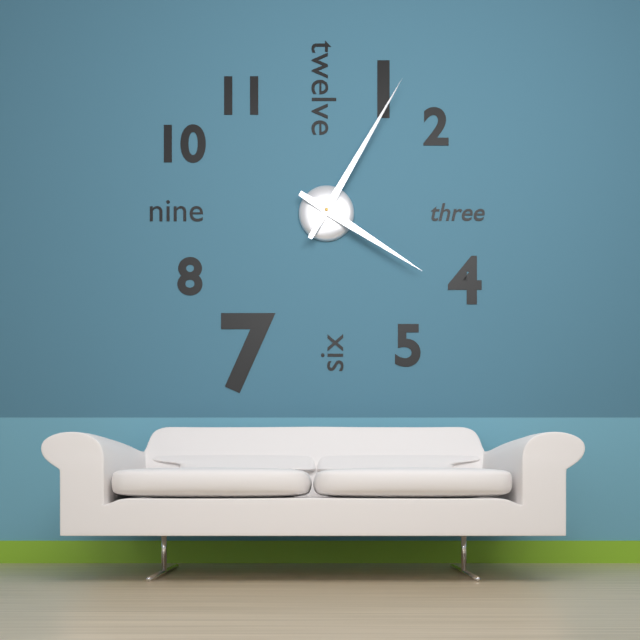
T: **4:05**
